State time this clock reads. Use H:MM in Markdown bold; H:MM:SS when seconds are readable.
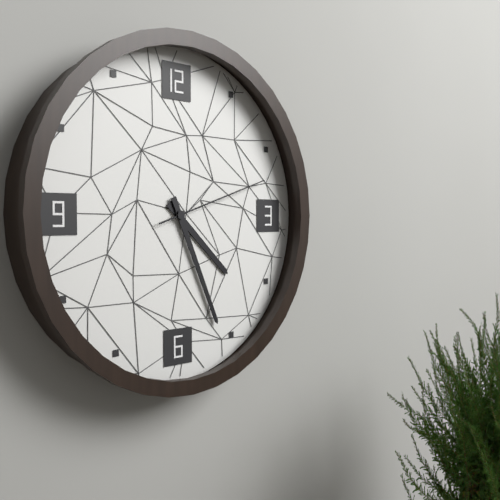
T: **4:26:12**
